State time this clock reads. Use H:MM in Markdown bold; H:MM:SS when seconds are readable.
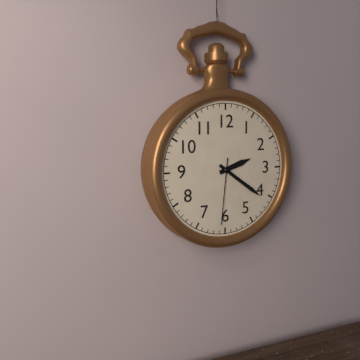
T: **2:21:31**
